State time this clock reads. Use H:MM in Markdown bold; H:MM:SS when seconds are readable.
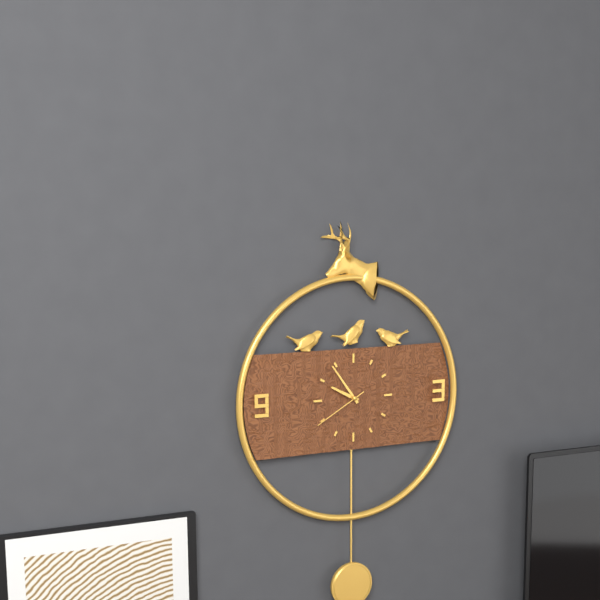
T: **9:54:40**
